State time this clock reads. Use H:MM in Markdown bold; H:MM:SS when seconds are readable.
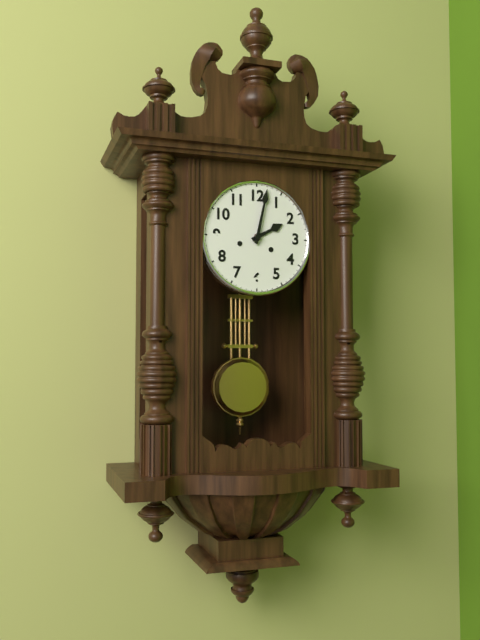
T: **2:02**
